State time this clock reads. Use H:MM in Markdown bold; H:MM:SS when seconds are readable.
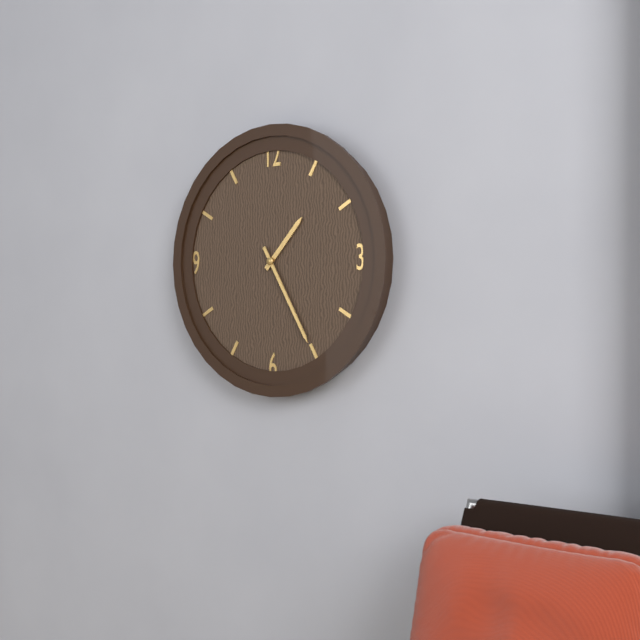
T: **1:25**
